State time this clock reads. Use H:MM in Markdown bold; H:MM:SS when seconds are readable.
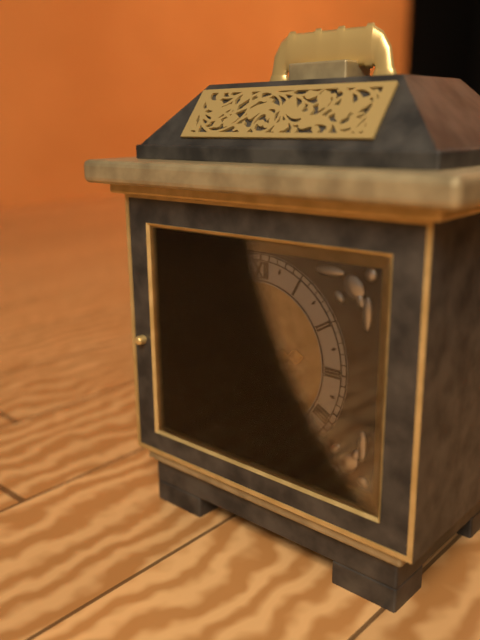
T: **2:40**
